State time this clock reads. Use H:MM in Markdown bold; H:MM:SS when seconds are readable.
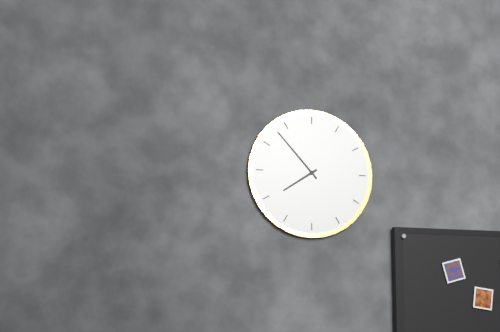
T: **7:53**
